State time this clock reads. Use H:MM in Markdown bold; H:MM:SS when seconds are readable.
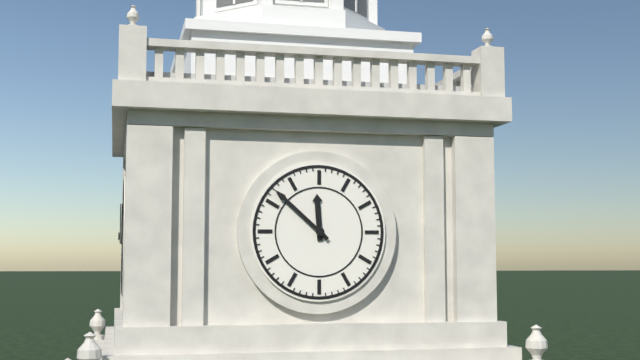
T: **11:52**
